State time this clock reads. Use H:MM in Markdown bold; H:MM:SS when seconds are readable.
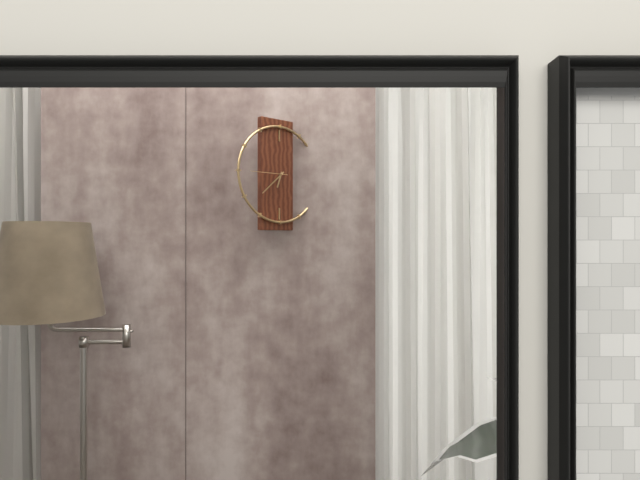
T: **6:38**
